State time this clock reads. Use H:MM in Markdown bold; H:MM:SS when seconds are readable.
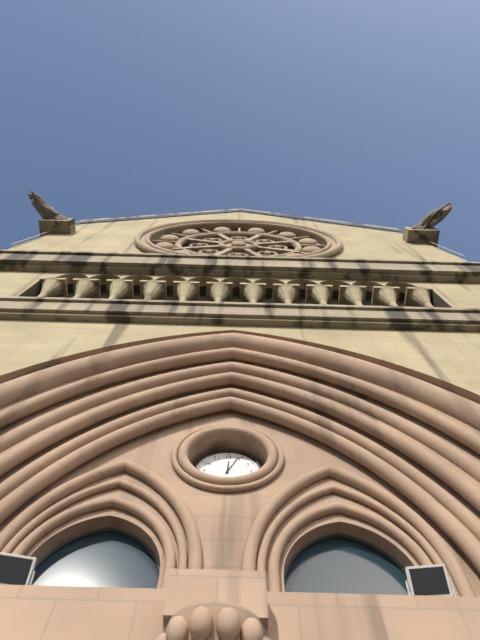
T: **12:04**
